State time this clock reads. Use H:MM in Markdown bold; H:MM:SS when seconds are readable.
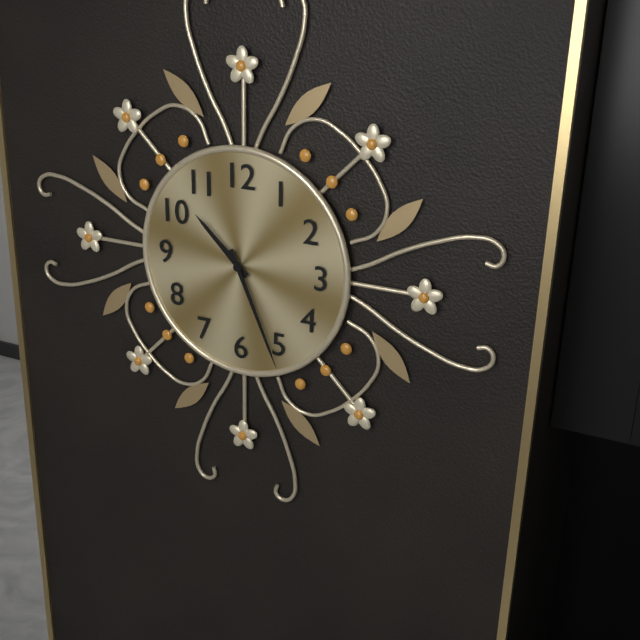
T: **10:26**
